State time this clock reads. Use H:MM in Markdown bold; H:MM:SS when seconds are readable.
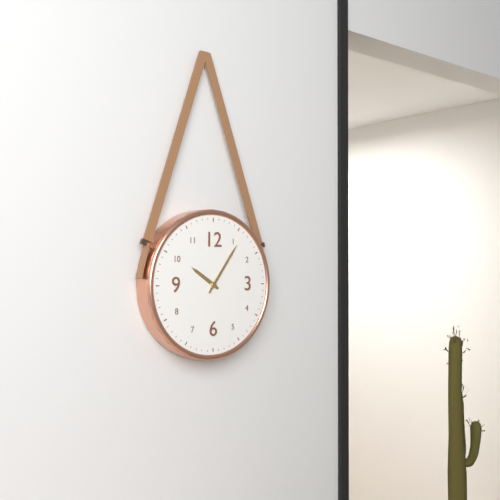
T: **10:06**
